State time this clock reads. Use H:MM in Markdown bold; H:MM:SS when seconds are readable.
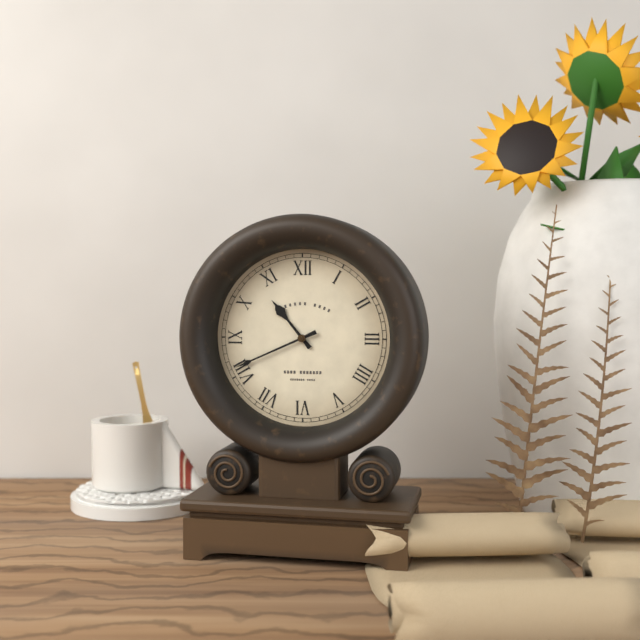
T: **10:41**
